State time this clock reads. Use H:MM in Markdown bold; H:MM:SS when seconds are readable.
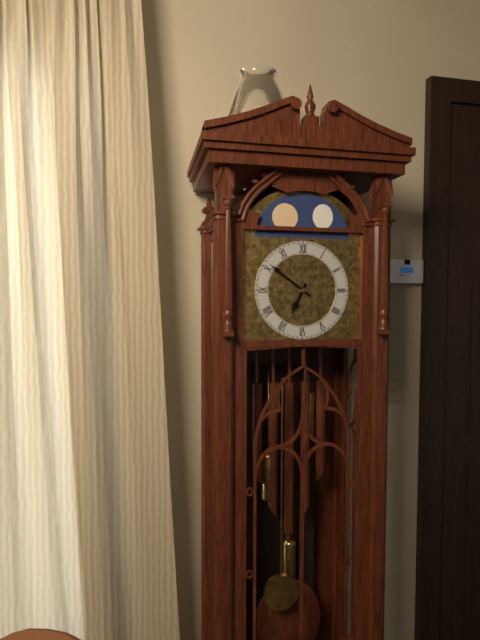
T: **6:51**
